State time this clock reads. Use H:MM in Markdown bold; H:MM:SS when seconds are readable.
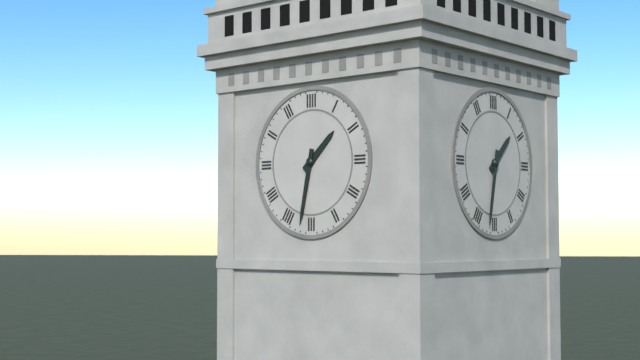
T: **1:32**
